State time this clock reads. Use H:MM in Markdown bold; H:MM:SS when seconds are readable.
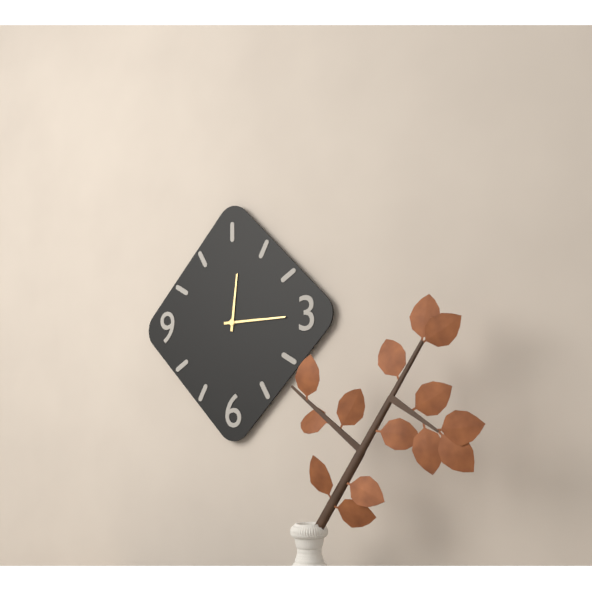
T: **12:15**
